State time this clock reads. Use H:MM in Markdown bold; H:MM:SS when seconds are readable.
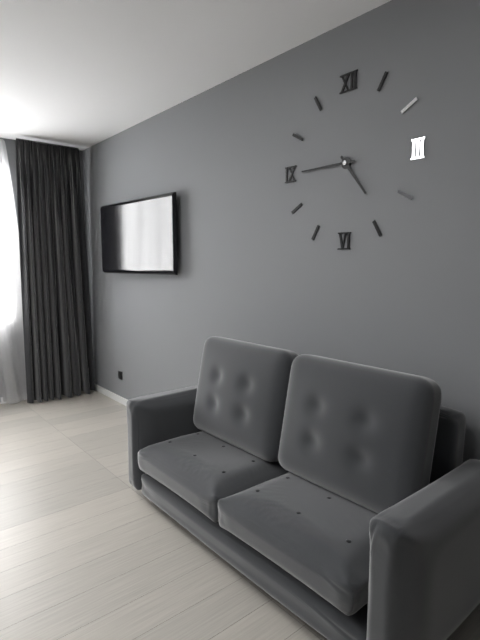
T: **4:45**
